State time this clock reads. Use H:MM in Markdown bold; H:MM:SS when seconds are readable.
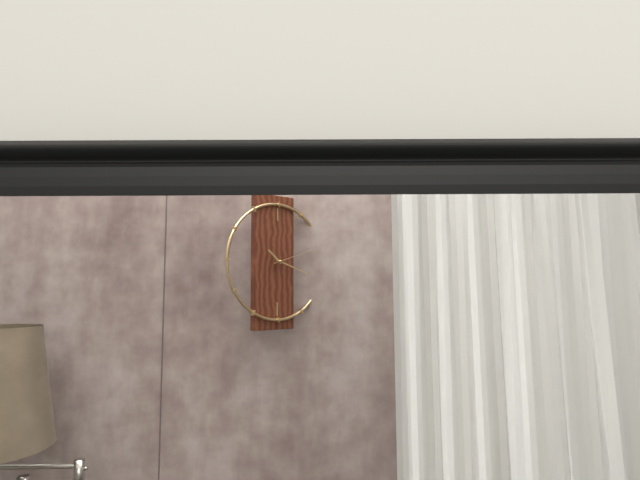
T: **10:18**
